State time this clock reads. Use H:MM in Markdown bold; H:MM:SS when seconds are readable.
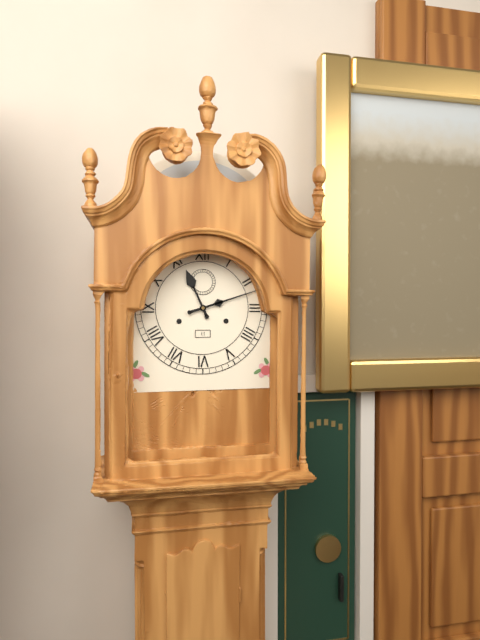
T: **11:12**
